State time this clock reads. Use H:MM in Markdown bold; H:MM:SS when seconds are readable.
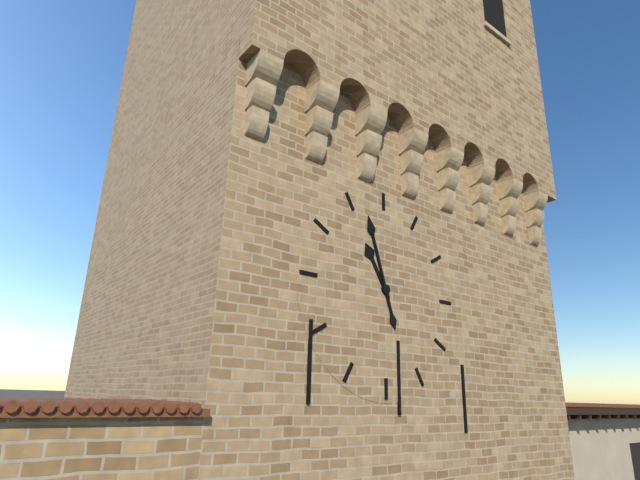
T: **10:57**
